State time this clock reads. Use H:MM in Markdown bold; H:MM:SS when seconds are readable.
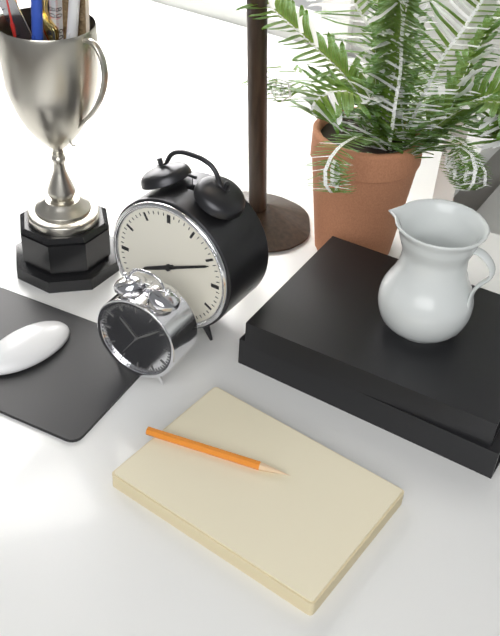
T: **8:11**
